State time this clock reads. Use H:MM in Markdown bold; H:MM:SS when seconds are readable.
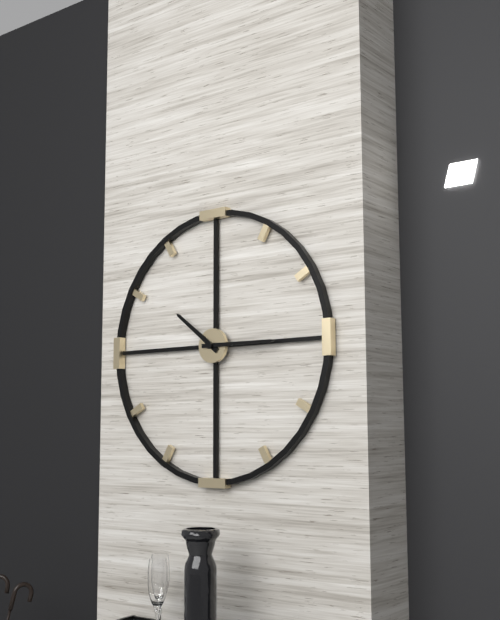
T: **10:15**
